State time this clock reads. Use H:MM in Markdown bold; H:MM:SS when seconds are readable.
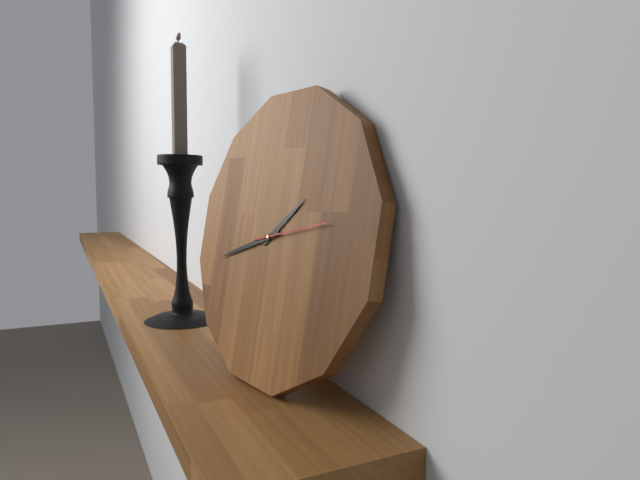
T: **1:42:13**
